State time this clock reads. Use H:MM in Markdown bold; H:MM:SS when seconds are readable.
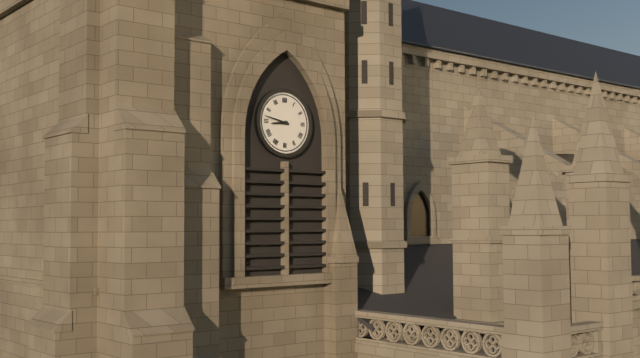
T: **8:47**
